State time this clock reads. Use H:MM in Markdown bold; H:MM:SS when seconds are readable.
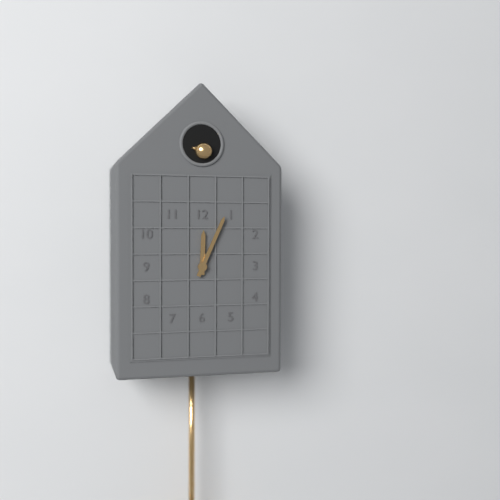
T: **12:04**
